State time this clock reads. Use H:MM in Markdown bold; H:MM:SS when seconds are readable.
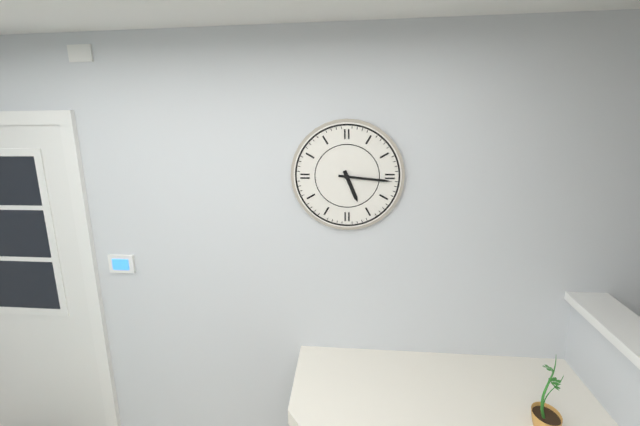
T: **5:16**
